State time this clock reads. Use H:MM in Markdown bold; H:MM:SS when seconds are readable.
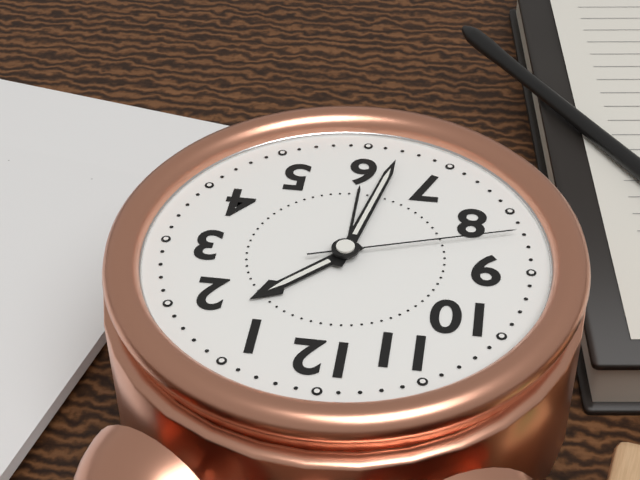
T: **1:32:42**
